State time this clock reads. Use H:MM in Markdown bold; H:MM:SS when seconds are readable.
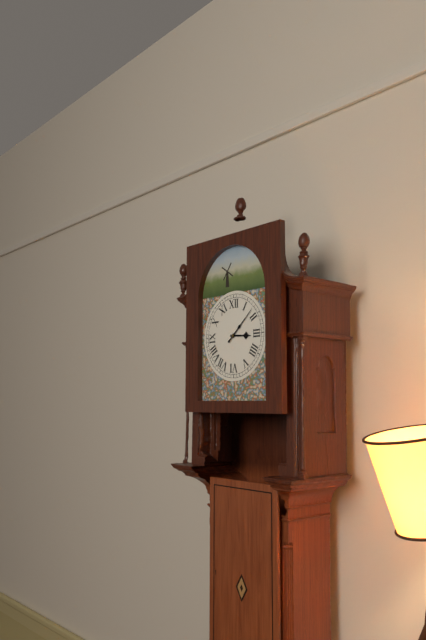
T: **3:08**
